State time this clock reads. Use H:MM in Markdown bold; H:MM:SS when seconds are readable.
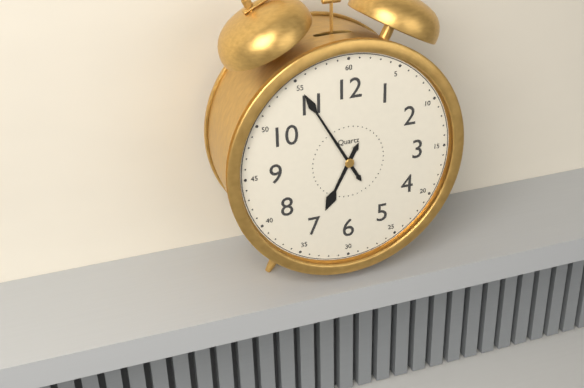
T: **6:55**
